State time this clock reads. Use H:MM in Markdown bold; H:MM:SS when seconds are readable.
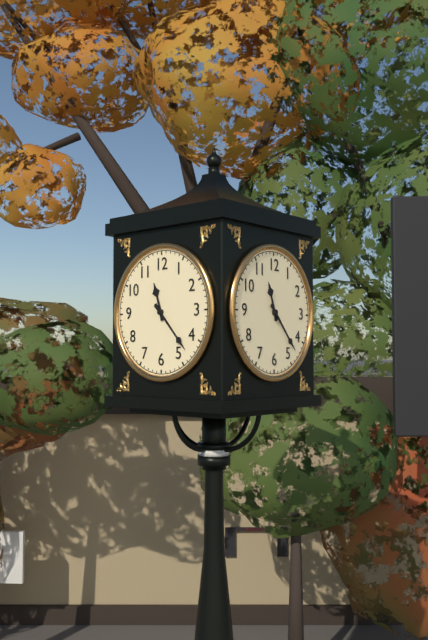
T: **11:23**
